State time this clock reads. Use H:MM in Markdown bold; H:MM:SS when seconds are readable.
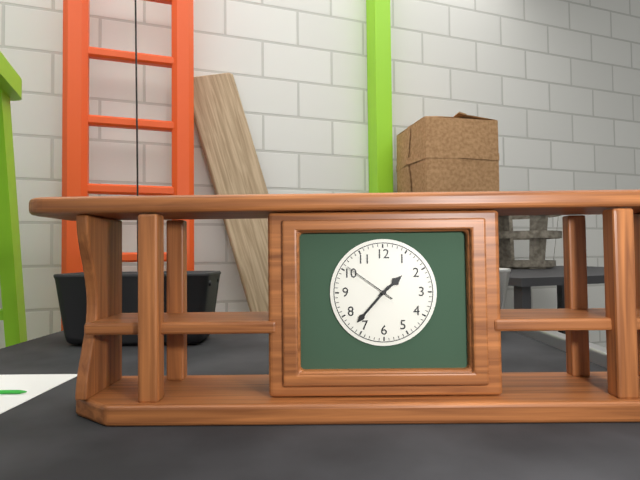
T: **1:37:51**
